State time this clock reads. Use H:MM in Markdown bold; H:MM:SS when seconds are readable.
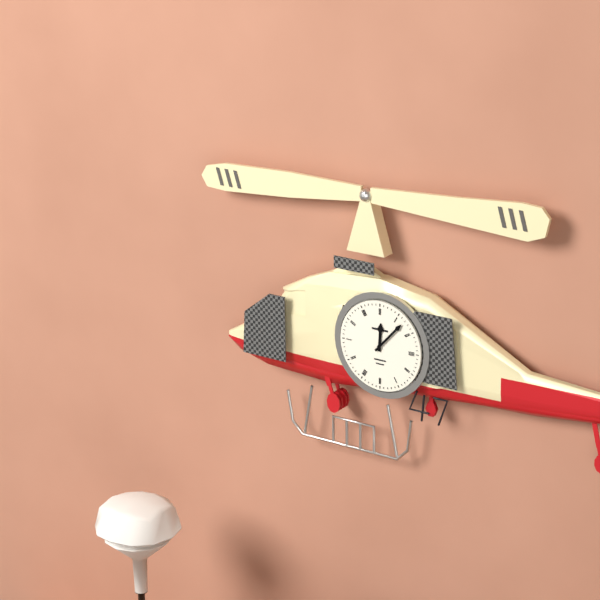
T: **12:07**
